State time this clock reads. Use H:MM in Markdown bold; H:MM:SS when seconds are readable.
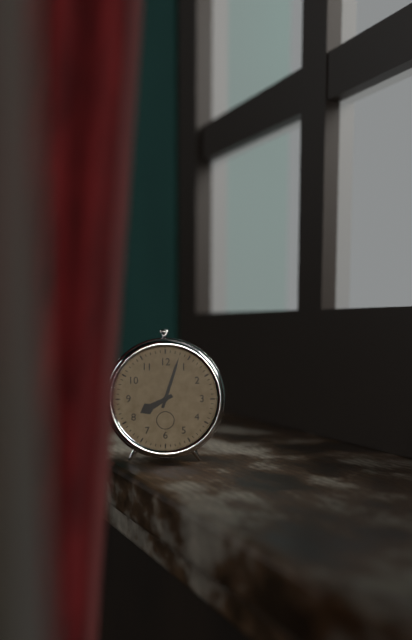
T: **8:03**
